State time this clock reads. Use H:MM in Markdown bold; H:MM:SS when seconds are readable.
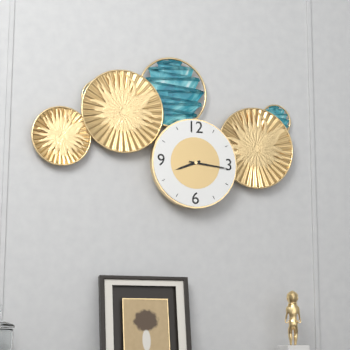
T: **8:16**
